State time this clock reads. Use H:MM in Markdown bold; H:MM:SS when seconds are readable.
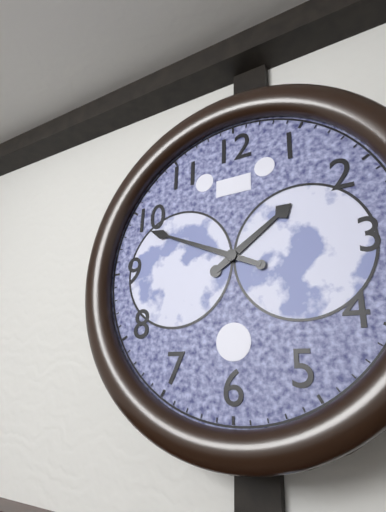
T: **1:49**
